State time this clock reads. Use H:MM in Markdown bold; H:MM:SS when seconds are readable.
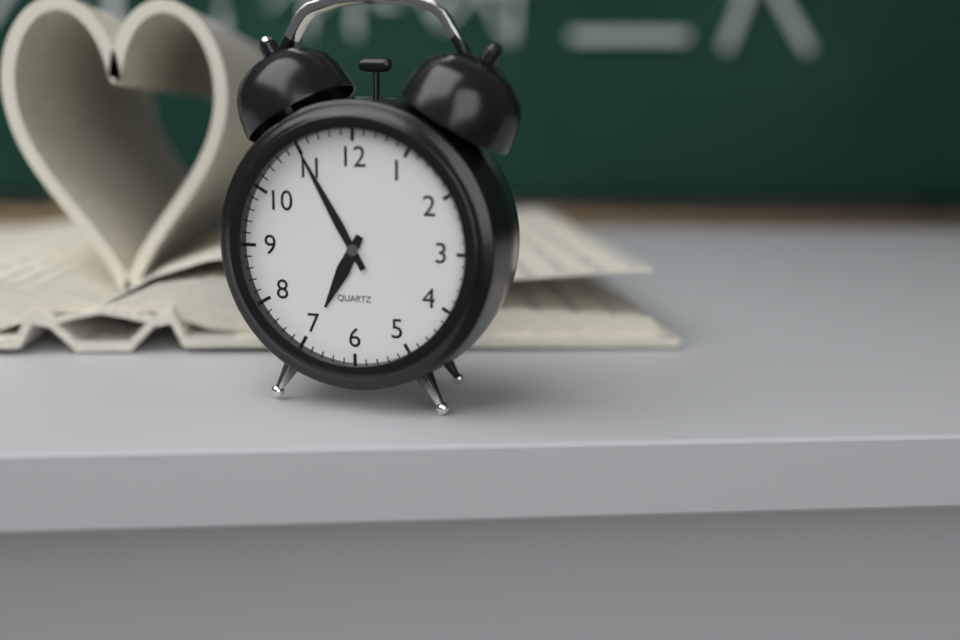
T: **6:55**
